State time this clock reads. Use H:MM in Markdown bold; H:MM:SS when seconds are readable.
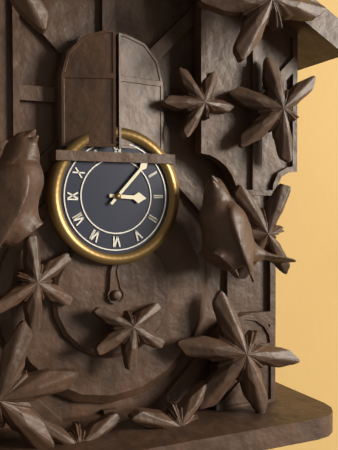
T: **3:07**
